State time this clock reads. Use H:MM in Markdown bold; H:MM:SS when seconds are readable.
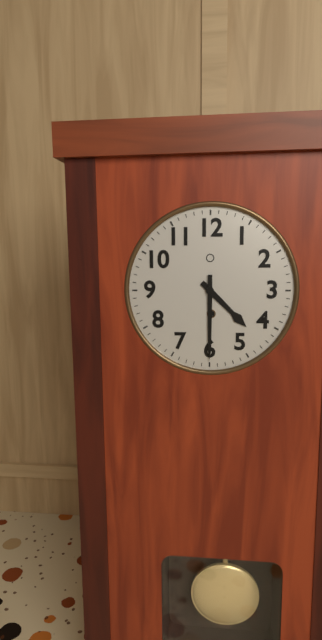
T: **4:30**
